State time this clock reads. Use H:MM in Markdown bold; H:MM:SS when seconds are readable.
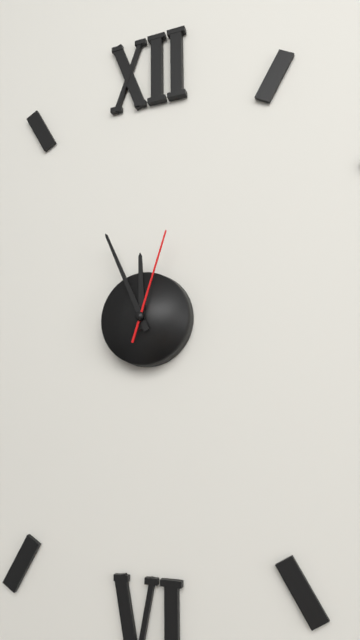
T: **11:56:03**
